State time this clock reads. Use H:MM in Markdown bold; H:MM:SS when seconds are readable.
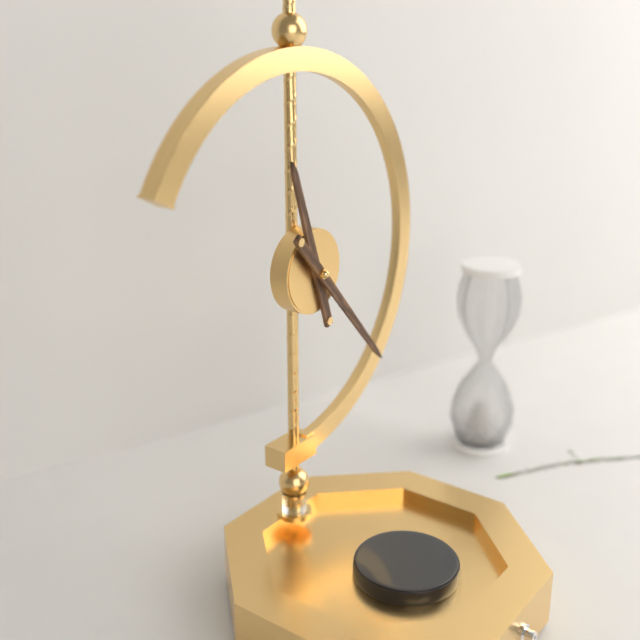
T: **11:23**
